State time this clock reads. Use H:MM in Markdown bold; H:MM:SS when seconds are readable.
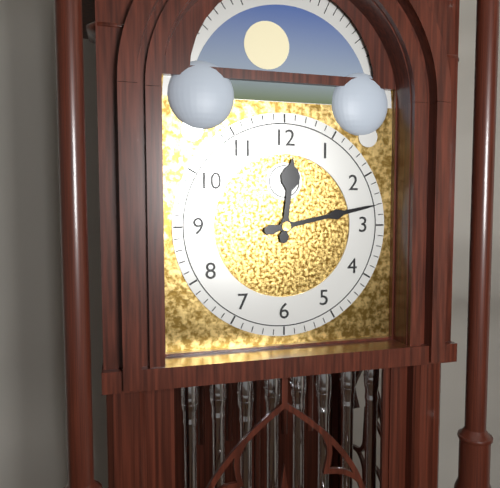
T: **12:13**
